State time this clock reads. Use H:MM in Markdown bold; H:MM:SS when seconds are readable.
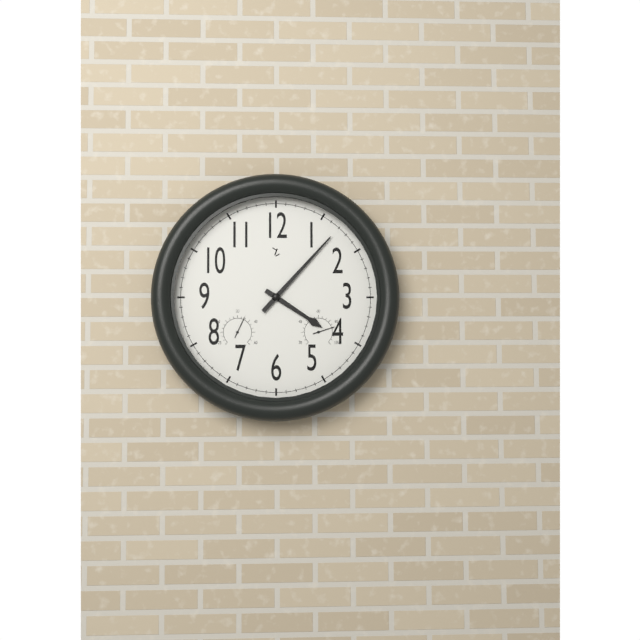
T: **4:07**
